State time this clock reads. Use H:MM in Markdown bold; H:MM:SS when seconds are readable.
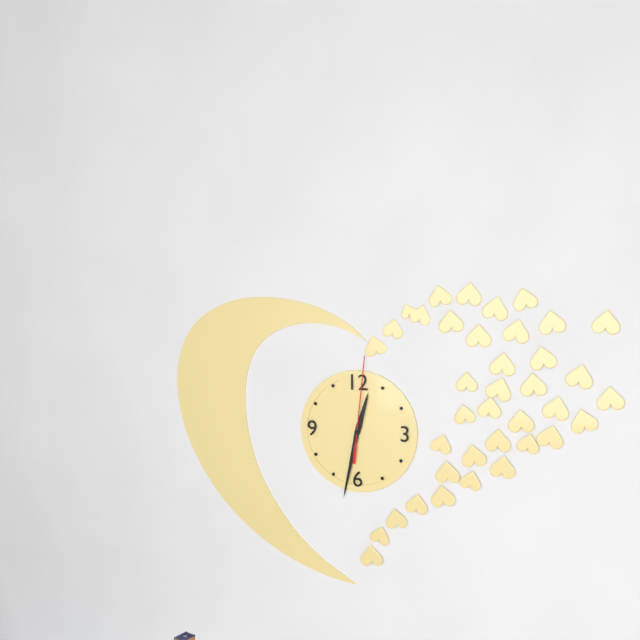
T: **12:32:01**
